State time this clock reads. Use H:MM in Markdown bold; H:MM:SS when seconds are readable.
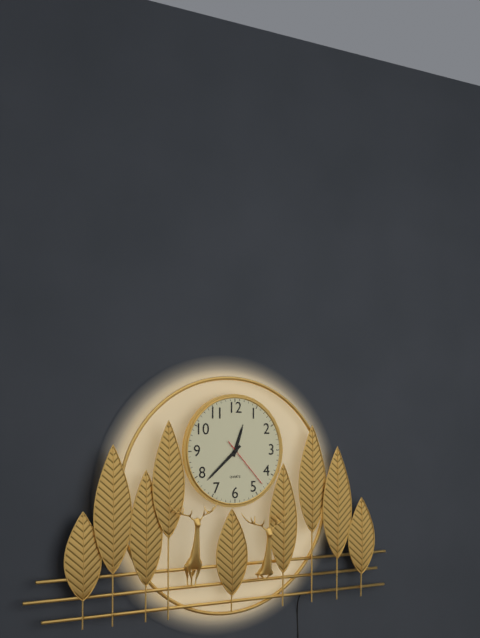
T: **12:38:23**
